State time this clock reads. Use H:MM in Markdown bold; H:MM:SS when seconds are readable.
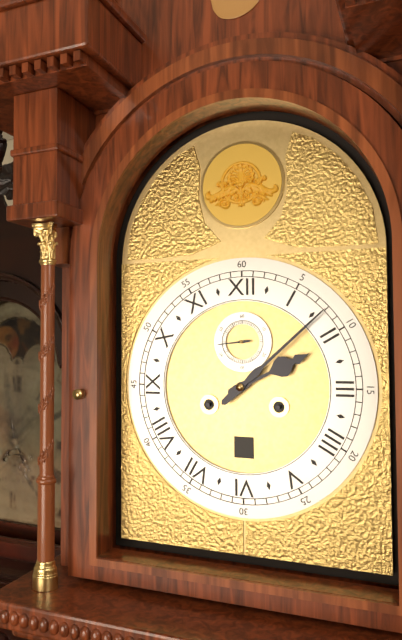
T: **2:08**
